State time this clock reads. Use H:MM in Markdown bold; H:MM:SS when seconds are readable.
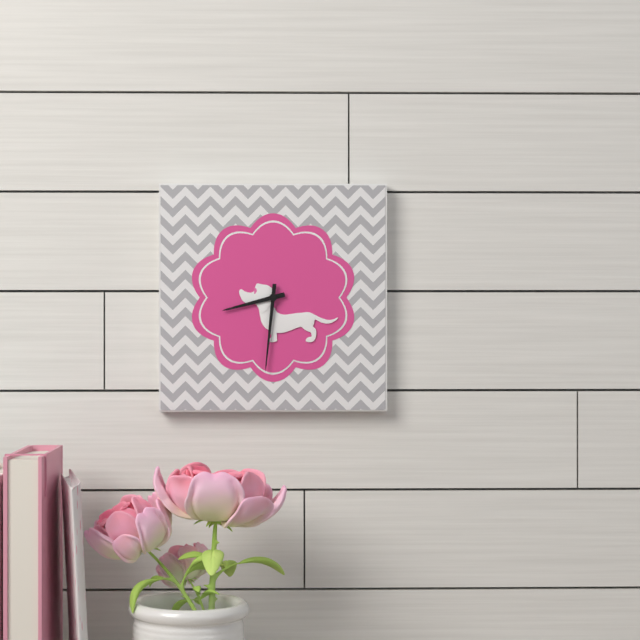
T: **8:31**
